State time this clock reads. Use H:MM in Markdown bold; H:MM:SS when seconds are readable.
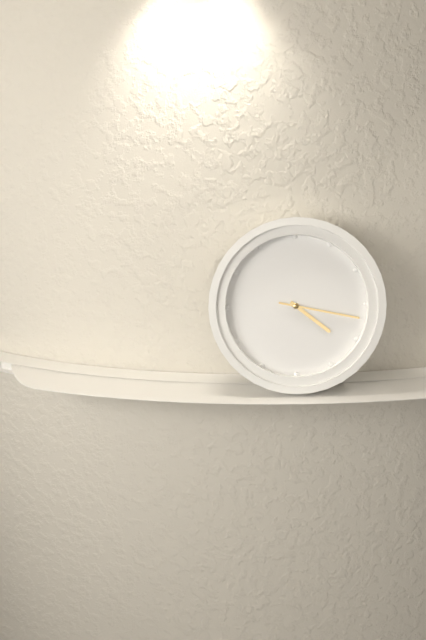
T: **4:17**
